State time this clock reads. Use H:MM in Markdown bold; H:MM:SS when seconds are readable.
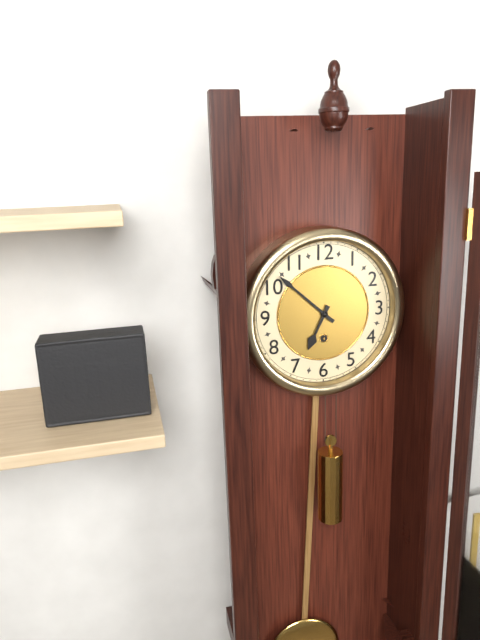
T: **6:52**
